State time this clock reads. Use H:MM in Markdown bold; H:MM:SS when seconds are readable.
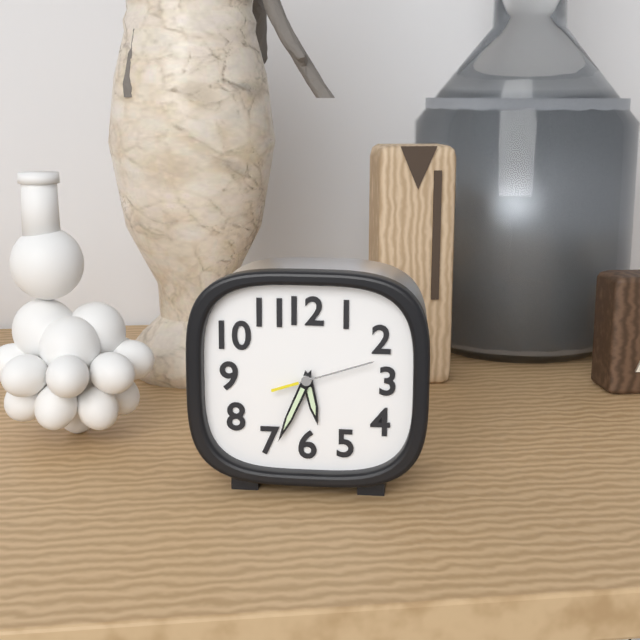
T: **5:34:12**
